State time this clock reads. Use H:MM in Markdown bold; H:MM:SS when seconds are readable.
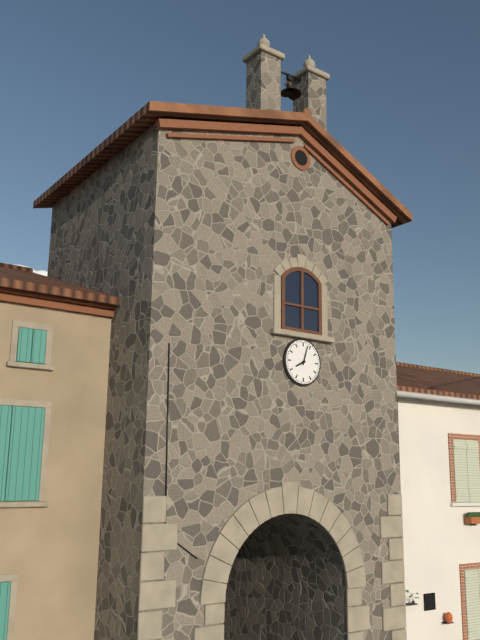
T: **8:03**
